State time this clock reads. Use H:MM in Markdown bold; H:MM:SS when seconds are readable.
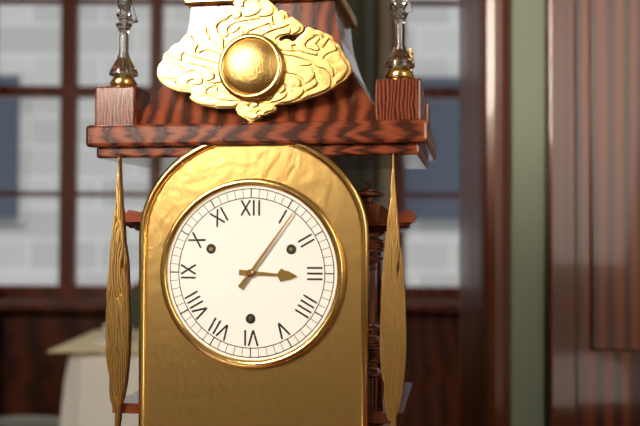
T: **3:06**
